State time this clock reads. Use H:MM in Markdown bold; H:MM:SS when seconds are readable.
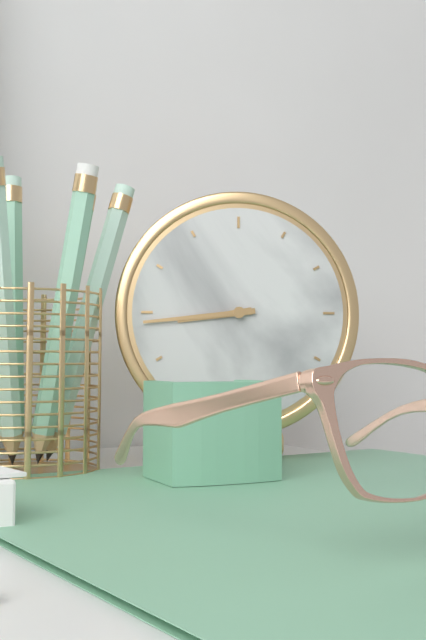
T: **8:44**
